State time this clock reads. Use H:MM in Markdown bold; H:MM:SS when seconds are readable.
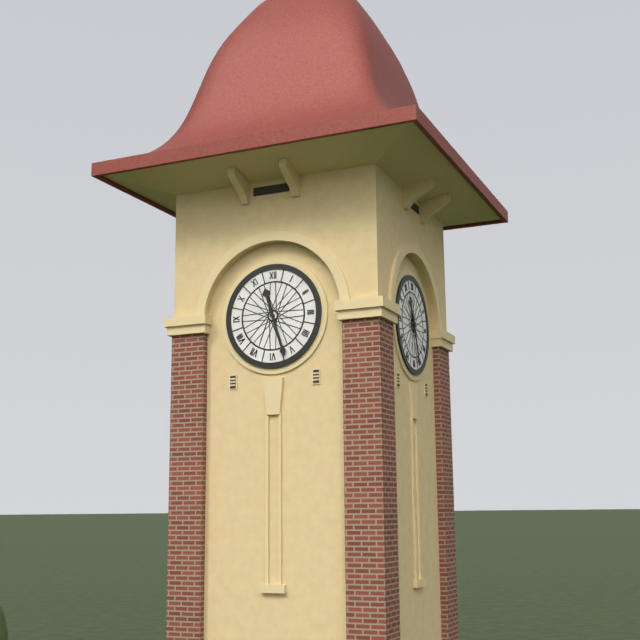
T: **11:27**
